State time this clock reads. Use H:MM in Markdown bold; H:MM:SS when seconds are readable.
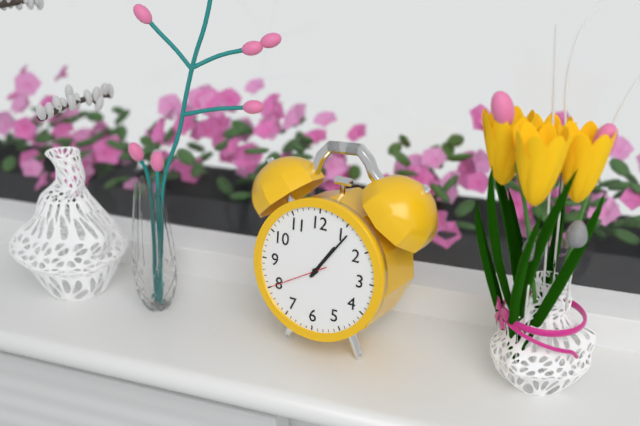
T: **1:06:40**
